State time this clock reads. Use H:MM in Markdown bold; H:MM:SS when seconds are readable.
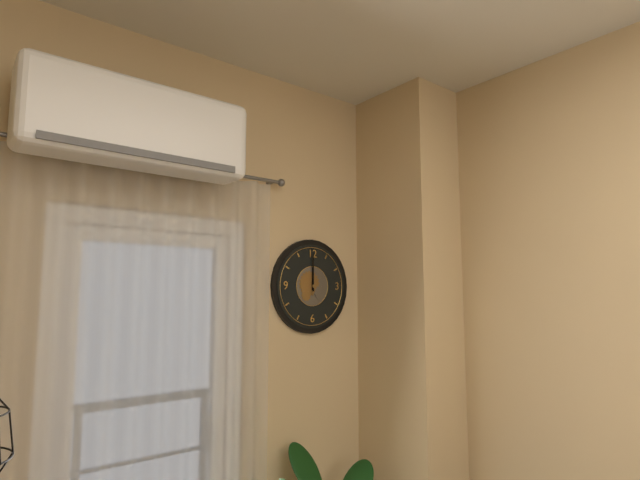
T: **12:00**
